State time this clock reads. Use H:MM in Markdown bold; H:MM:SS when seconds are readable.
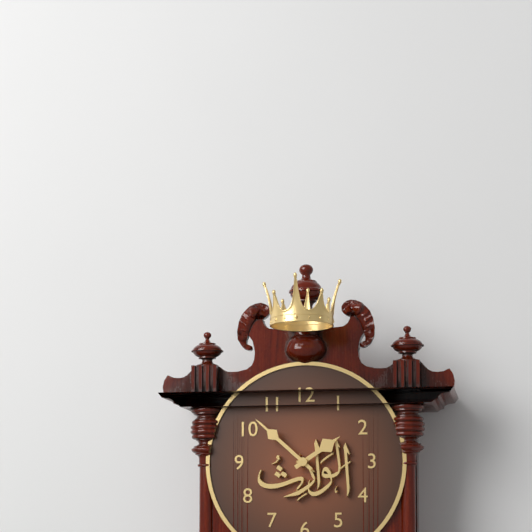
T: **1:52**
